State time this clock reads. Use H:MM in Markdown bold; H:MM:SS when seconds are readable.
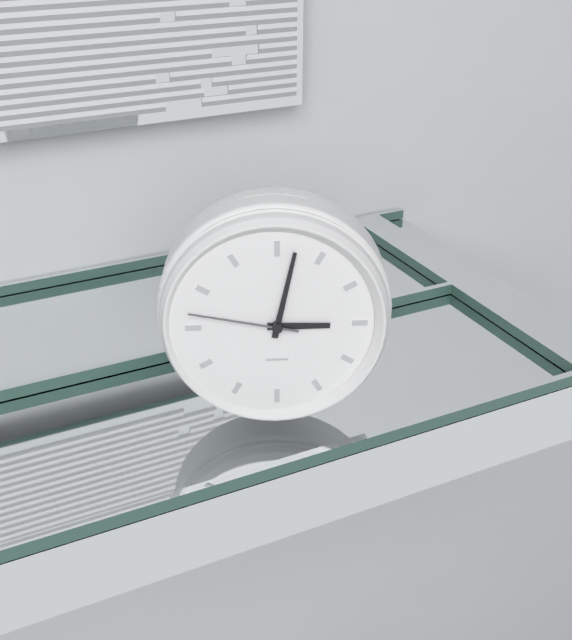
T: **3:02:47**
